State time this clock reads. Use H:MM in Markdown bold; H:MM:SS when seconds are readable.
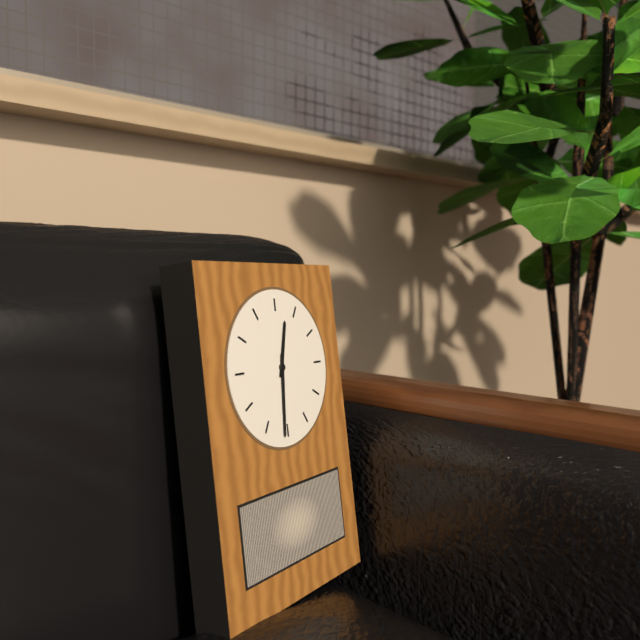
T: **12:31**
